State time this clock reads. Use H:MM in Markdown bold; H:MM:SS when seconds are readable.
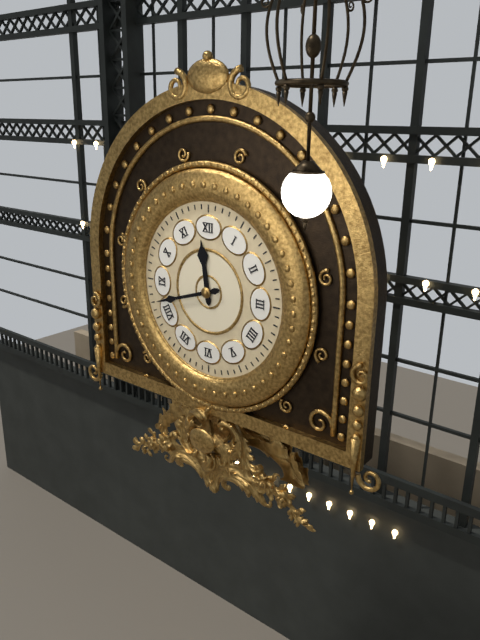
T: **11:42**
